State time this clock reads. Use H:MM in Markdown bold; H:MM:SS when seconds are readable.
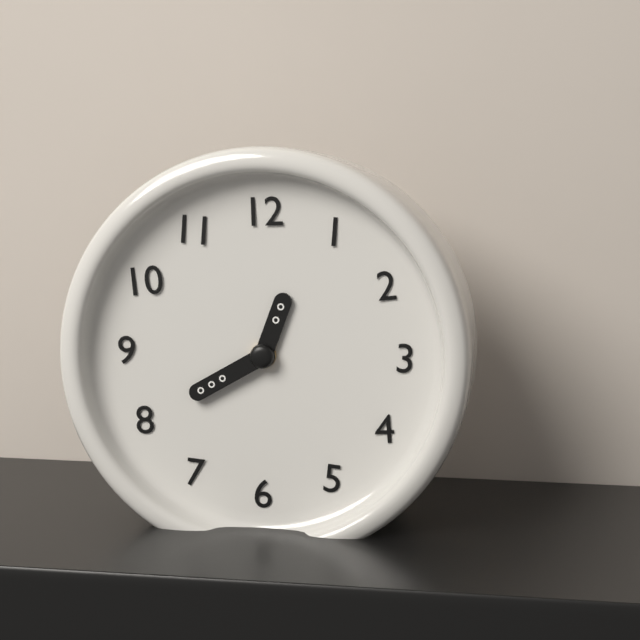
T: **12:40**
